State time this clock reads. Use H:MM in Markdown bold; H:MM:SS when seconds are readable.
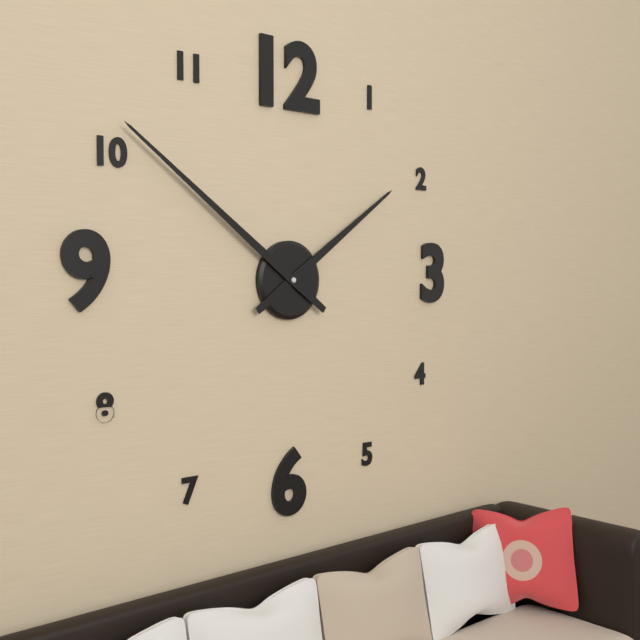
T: **1:51**
